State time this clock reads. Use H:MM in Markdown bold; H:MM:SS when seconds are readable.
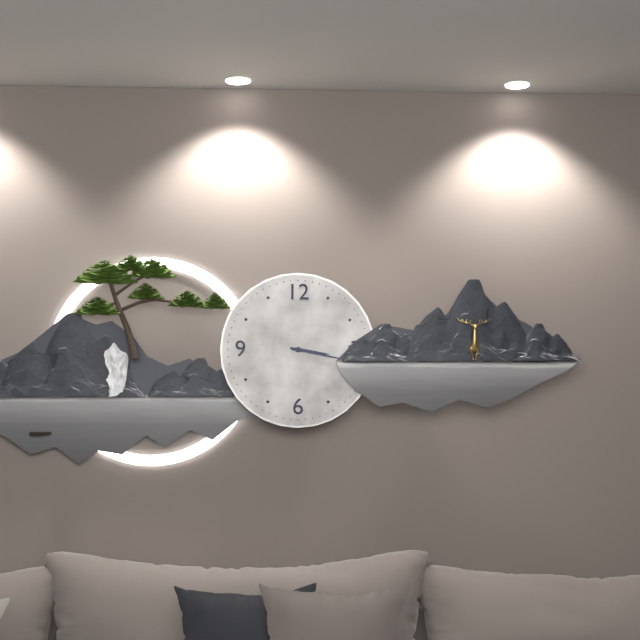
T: **3:17**
